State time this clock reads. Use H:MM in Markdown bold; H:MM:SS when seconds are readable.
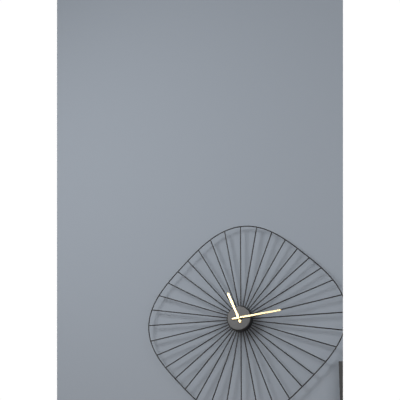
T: **11:14**
